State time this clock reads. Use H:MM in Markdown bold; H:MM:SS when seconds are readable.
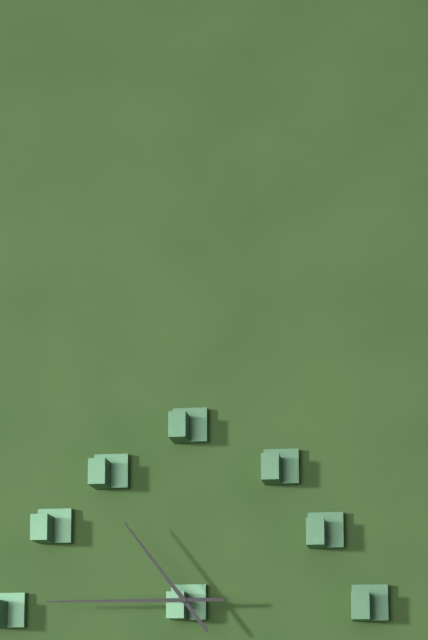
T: **10:45**
